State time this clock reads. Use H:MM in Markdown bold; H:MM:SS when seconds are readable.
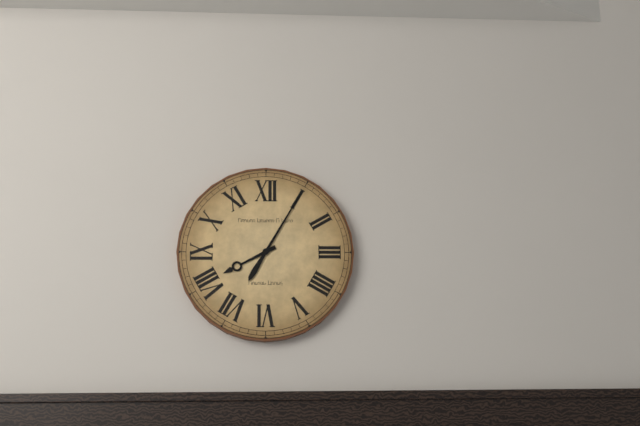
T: **8:05**
